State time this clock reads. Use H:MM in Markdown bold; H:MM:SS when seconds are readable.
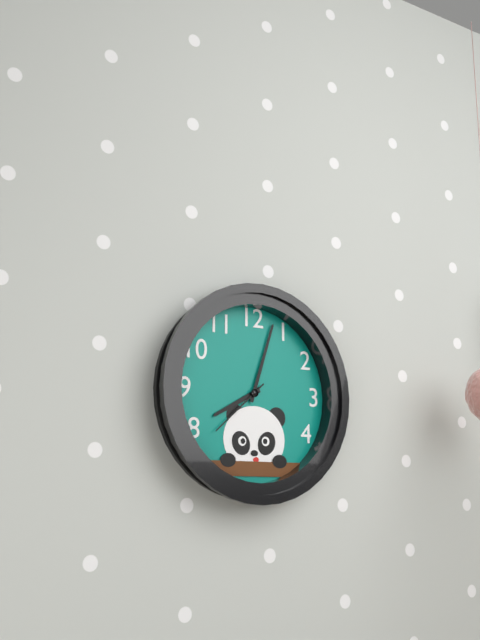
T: **8:03:38**
